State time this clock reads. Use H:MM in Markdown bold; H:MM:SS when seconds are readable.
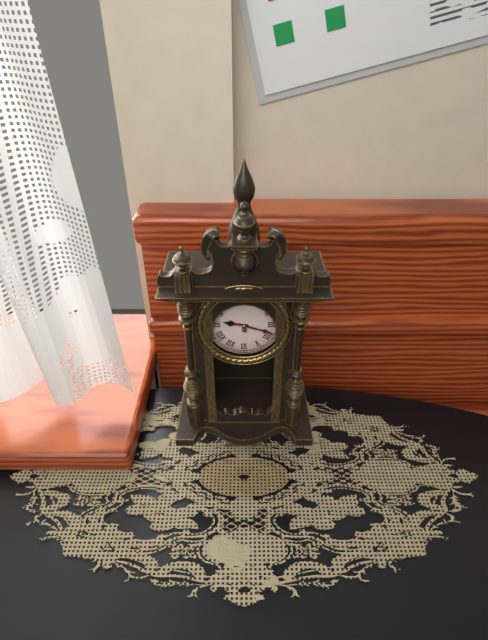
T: **9:18**
